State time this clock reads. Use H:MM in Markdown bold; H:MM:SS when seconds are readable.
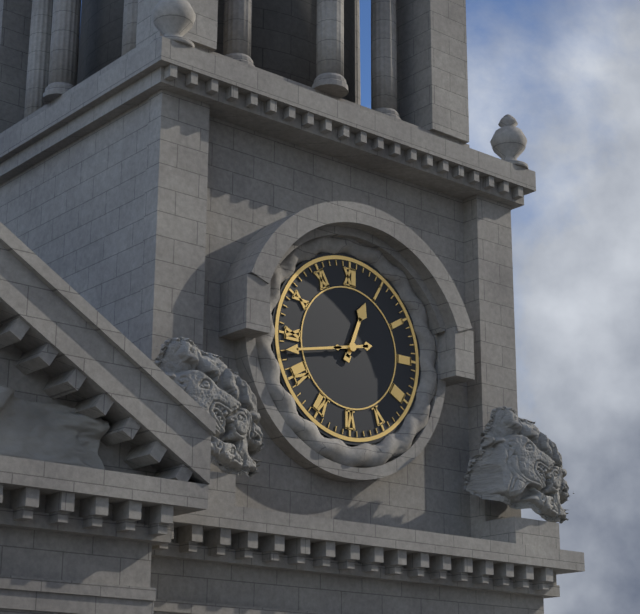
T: **12:43**
